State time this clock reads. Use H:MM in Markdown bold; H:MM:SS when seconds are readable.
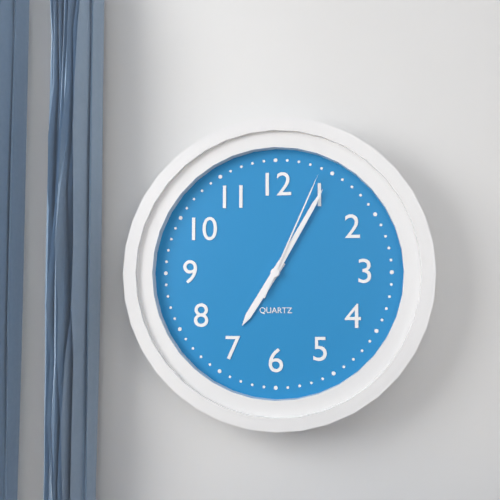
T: **7:05:04**
